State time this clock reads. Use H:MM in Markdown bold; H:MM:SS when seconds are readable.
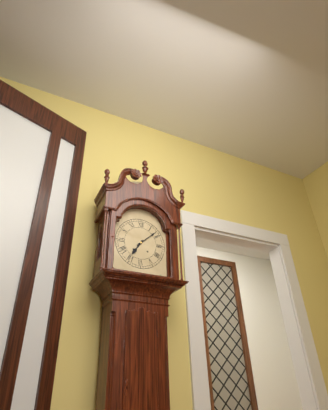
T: **7:08**
